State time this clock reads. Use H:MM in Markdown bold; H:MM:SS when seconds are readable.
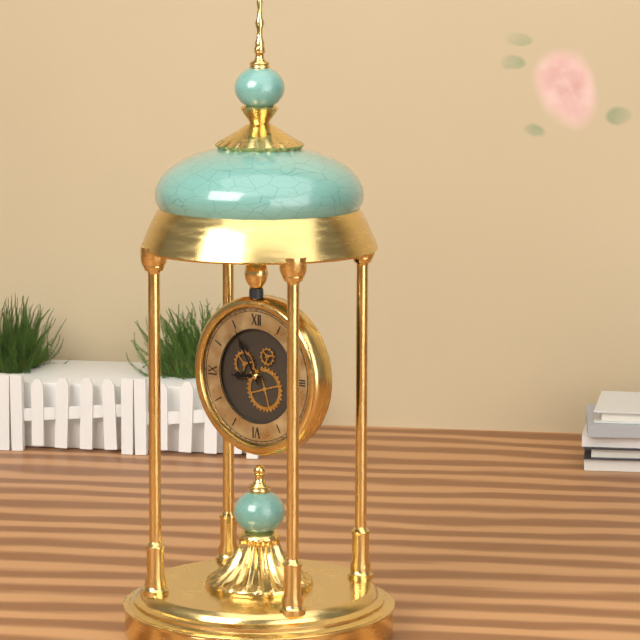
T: **8:55**
